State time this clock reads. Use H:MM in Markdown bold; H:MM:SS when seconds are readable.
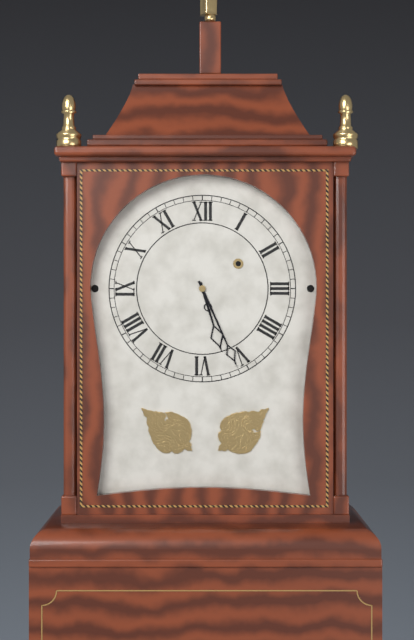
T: **5:26**
